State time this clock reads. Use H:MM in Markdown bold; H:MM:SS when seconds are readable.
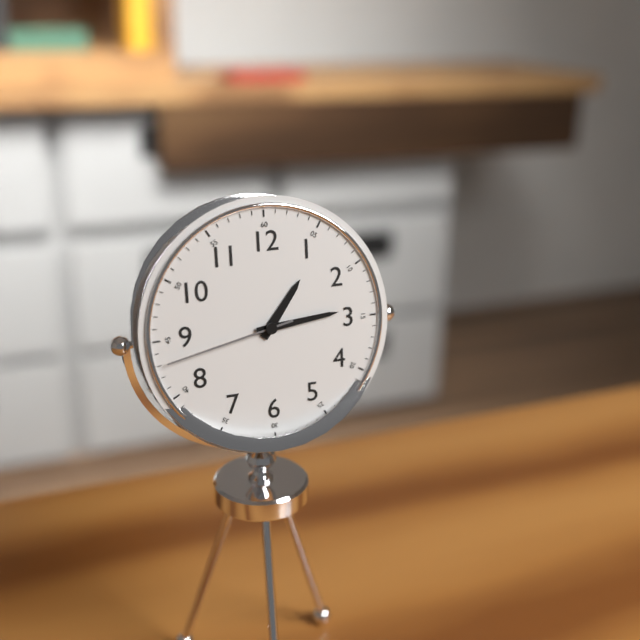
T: **1:14:43**
